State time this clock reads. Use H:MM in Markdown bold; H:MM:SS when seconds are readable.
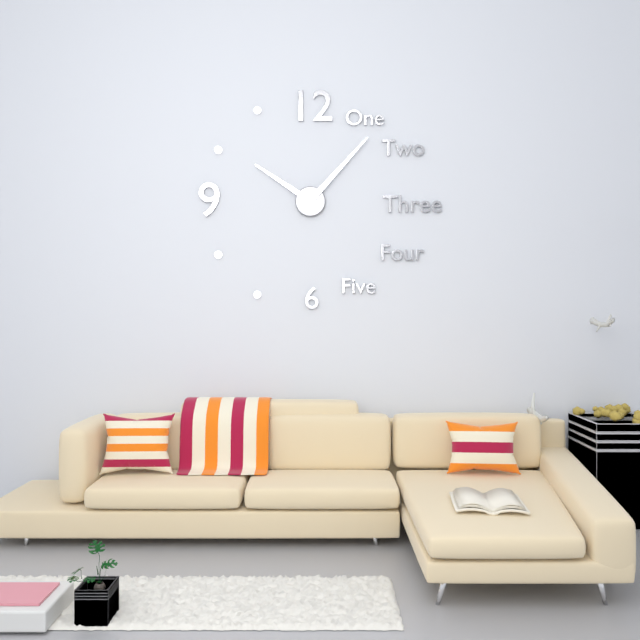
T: **10:07**
